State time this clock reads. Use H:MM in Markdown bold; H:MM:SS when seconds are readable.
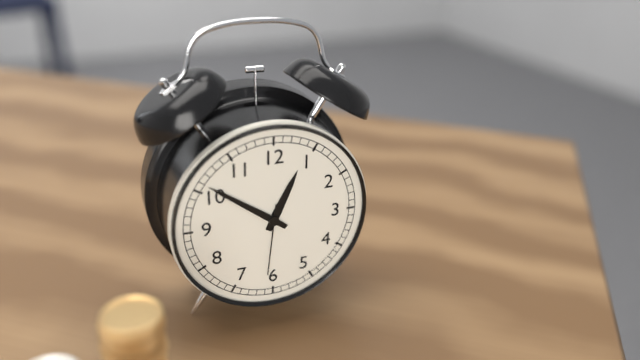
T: **12:51:31**
